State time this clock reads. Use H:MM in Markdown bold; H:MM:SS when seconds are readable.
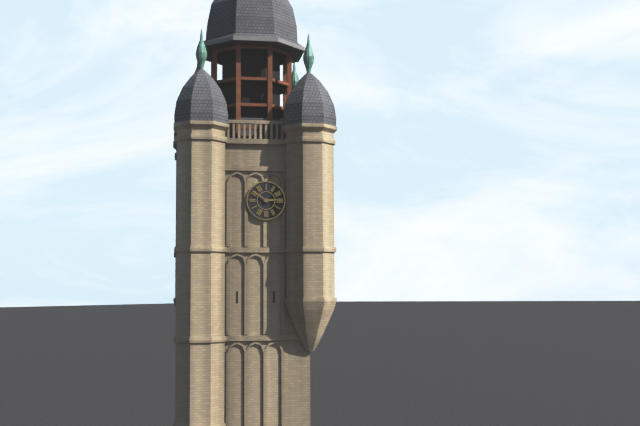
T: **2:51**
